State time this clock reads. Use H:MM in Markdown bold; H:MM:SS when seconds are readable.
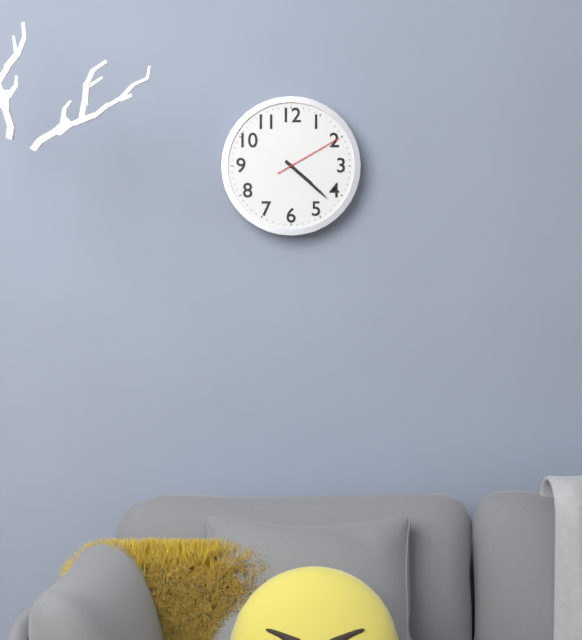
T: **4:22:10**
